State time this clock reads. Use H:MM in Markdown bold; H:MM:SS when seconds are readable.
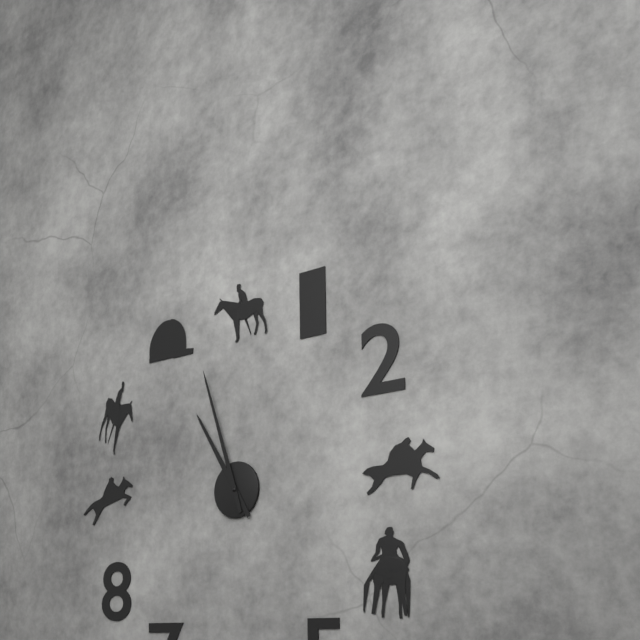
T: **10:57**
